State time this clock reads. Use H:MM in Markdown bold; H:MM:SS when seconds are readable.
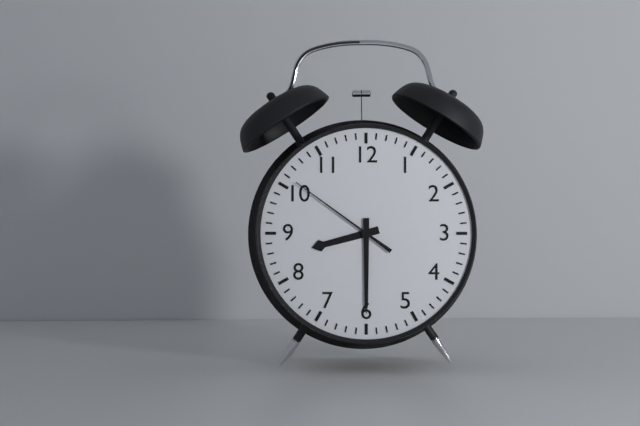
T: **8:30:51**
